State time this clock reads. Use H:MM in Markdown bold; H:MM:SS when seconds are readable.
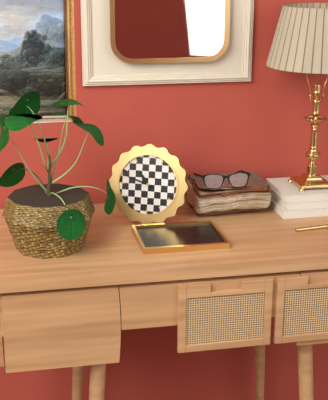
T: **10:48**
